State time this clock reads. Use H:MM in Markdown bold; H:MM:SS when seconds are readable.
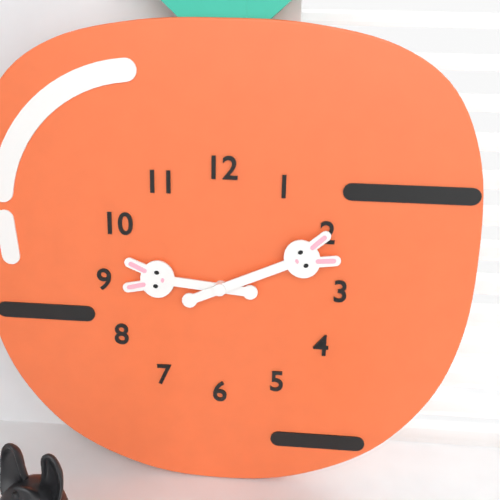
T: **9:11**
